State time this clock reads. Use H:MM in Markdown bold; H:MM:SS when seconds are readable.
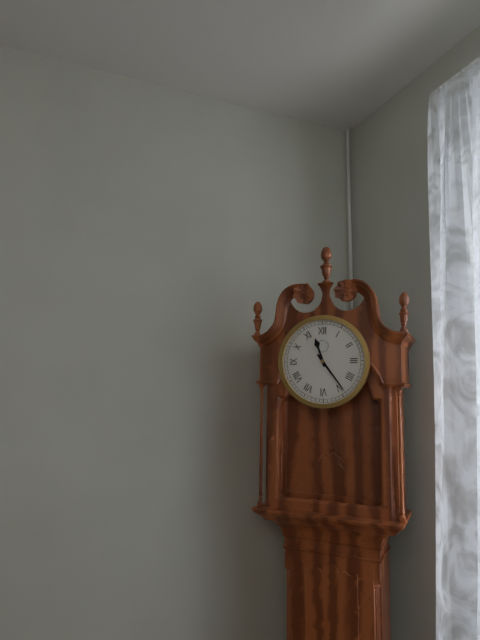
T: **11:24**
